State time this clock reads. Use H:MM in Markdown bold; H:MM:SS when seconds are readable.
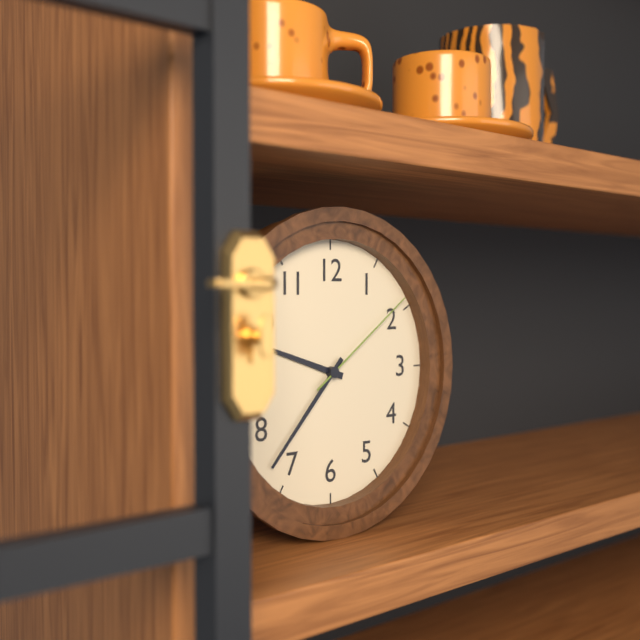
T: **9:37:09**
